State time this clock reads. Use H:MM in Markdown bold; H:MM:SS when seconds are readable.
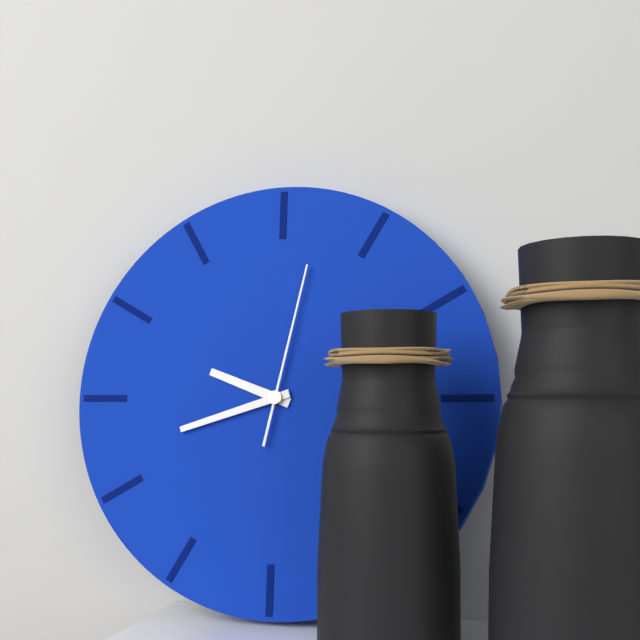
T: **9:42:02**
